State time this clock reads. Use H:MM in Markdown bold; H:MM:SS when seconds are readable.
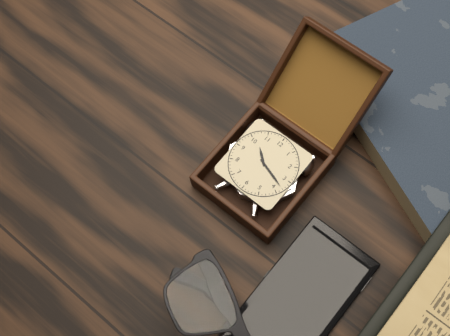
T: **10:18**
